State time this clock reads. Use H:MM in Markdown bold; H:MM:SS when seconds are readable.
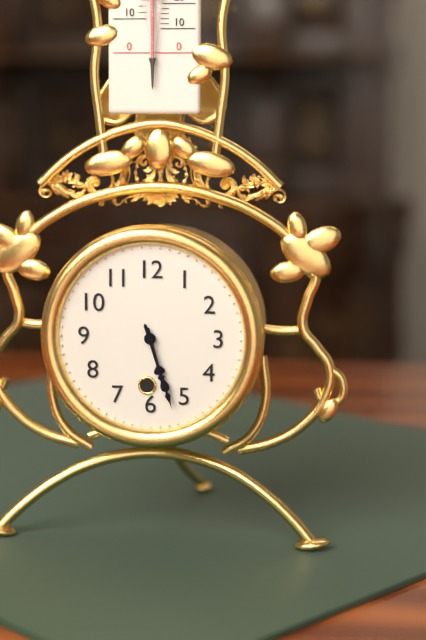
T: **5:27**
